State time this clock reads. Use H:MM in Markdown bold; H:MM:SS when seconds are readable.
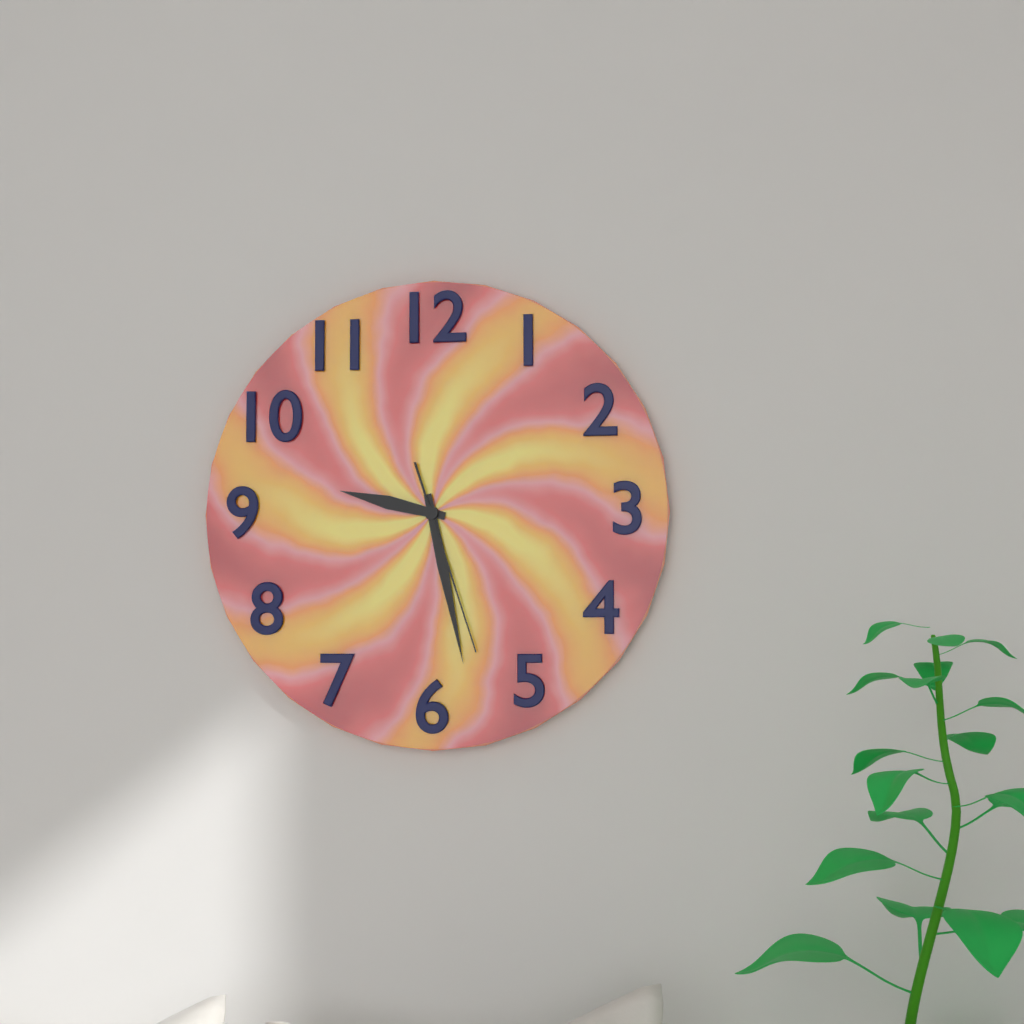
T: **9:28:27**
